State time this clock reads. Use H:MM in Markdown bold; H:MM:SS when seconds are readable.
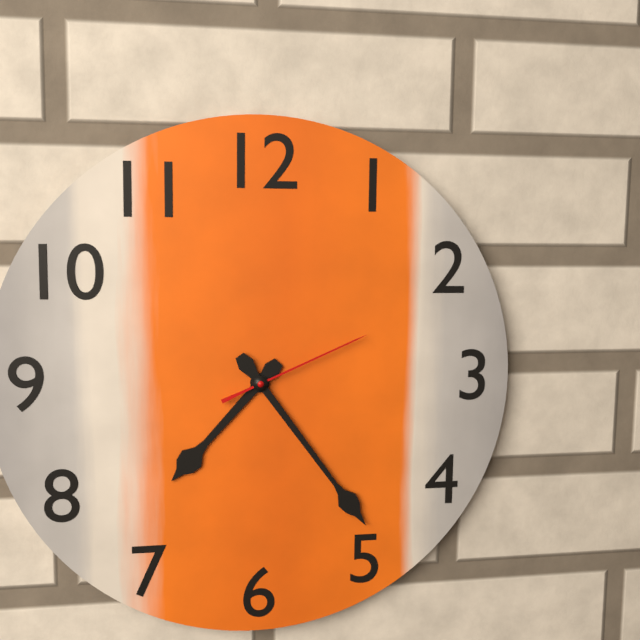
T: **7:24:11**
